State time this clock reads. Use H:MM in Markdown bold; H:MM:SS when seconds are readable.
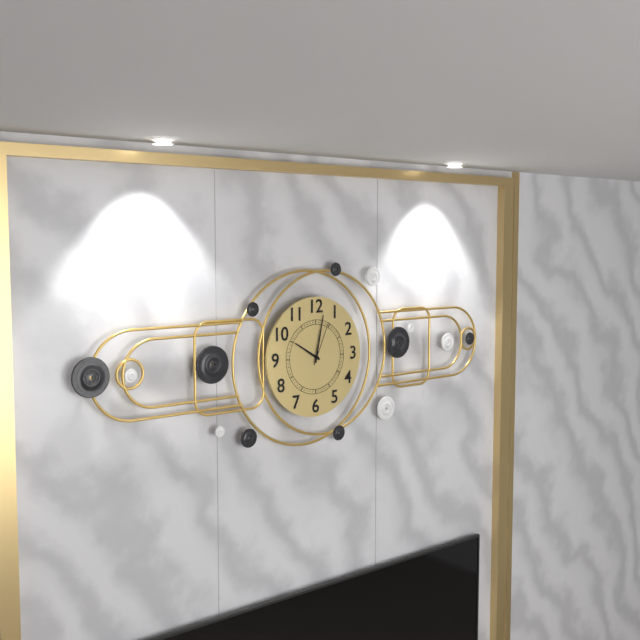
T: **10:02**
